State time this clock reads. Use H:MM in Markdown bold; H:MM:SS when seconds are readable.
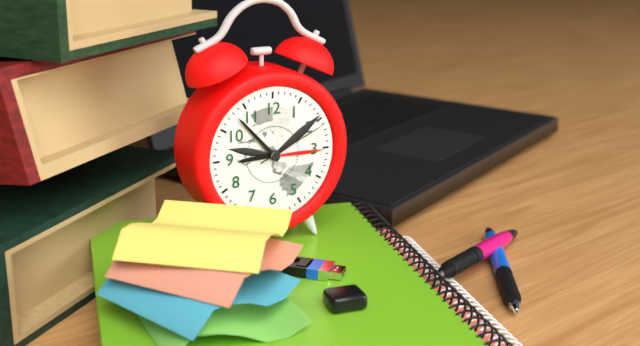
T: **8:53:11**
